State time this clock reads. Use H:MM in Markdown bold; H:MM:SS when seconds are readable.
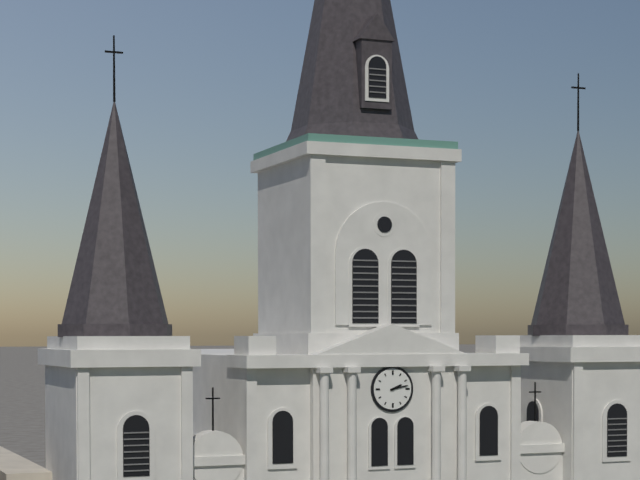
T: **2:13**
